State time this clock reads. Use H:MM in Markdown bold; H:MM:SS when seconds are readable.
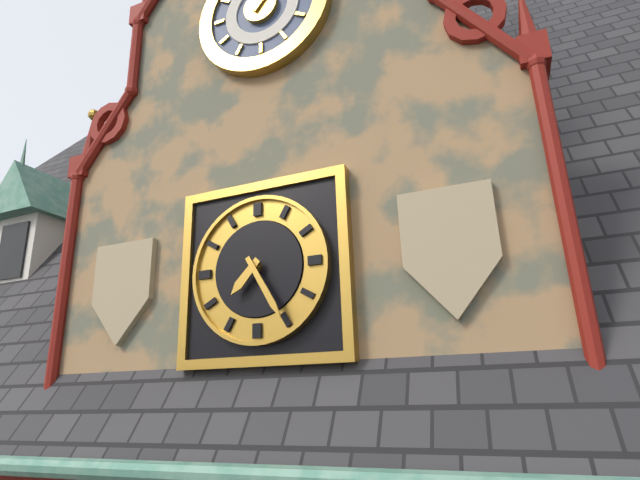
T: **7:25**
